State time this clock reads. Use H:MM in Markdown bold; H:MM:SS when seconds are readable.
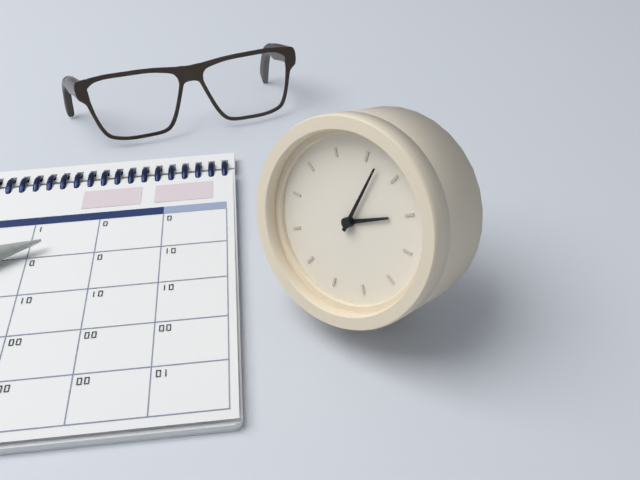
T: **2:02**
